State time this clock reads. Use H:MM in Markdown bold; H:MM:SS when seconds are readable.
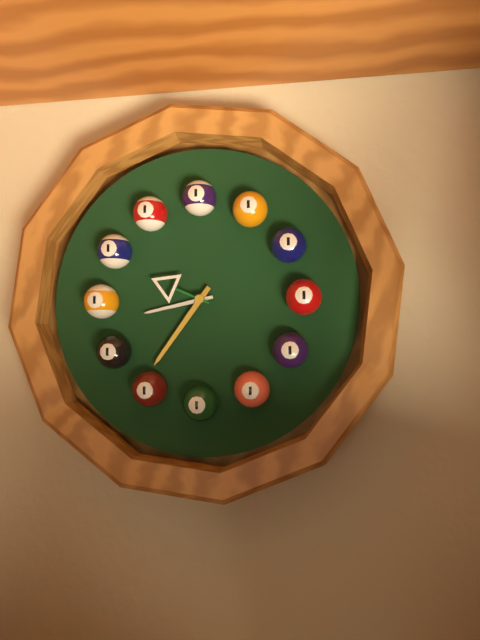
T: **8:36:49**
